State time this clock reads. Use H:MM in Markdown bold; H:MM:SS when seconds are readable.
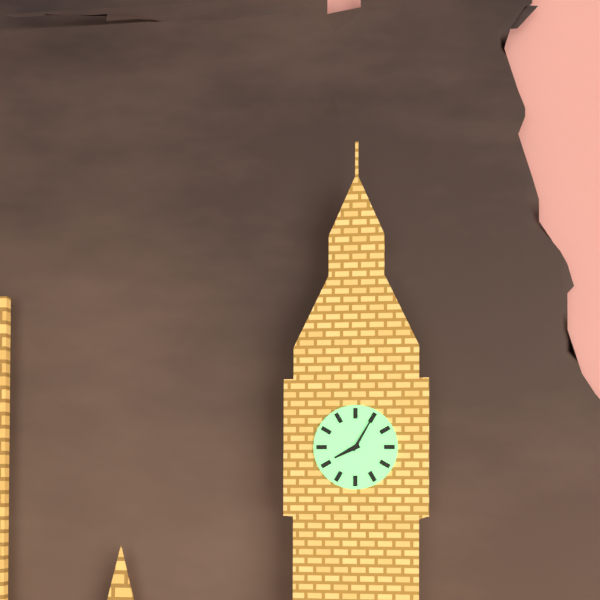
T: **8:05**
